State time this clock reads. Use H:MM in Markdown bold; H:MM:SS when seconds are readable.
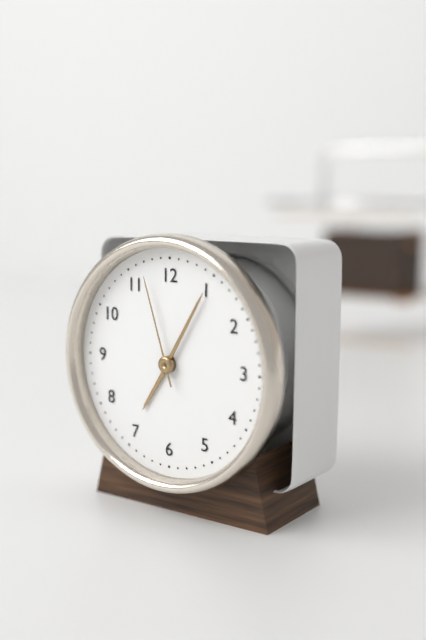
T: **7:05:57**
